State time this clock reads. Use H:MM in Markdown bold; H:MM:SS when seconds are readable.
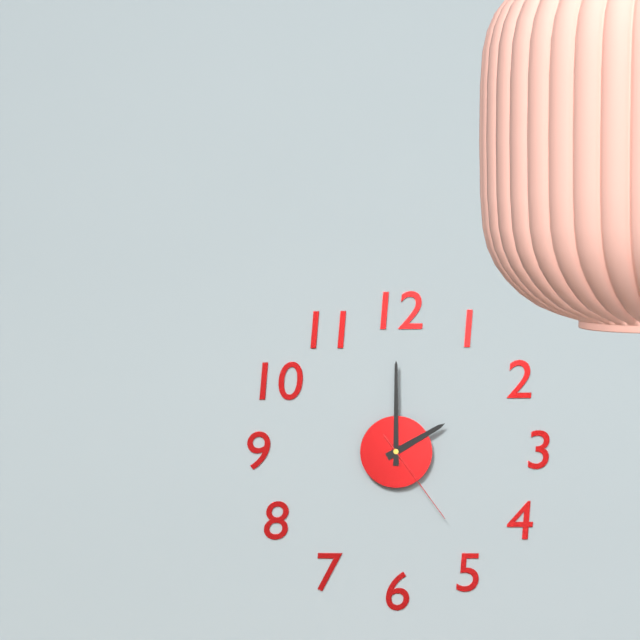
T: **2:00:24**
